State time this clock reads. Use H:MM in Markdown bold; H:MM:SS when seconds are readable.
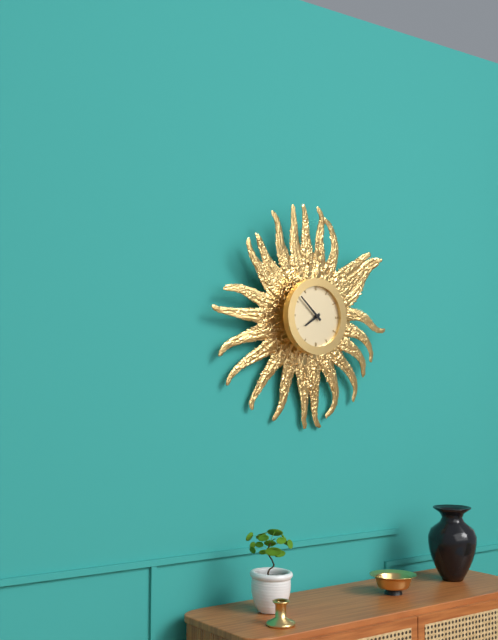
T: **7:52**
